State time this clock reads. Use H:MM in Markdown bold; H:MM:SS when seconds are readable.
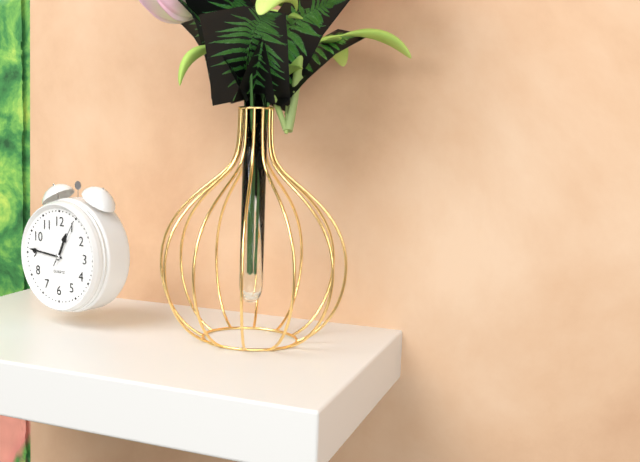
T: **12:46**
